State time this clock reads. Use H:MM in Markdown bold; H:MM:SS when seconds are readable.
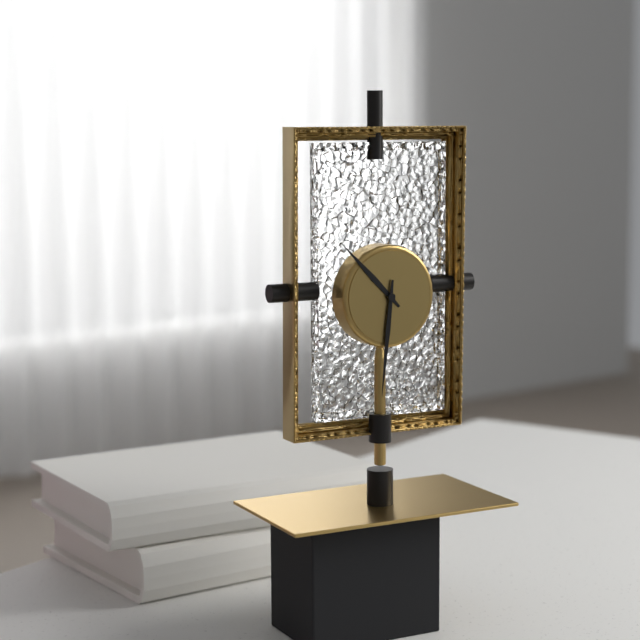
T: **10:31**
